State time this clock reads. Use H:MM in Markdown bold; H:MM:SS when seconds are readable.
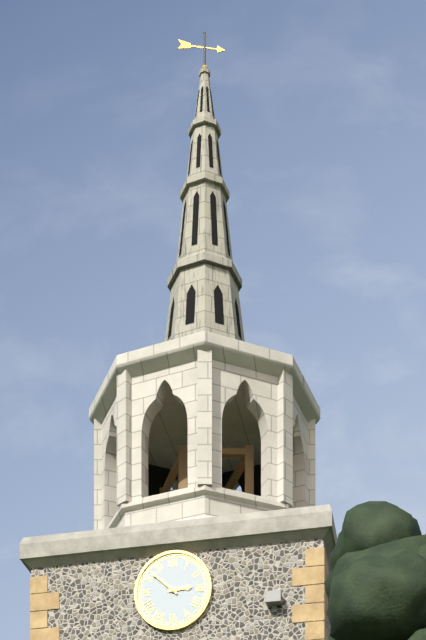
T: **2:52**
